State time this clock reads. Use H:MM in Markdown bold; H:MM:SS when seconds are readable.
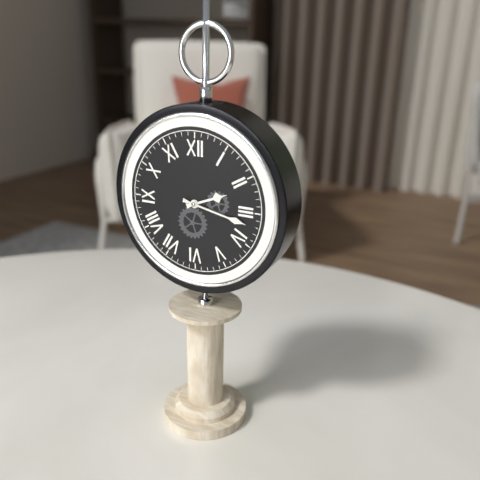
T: **2:17**
